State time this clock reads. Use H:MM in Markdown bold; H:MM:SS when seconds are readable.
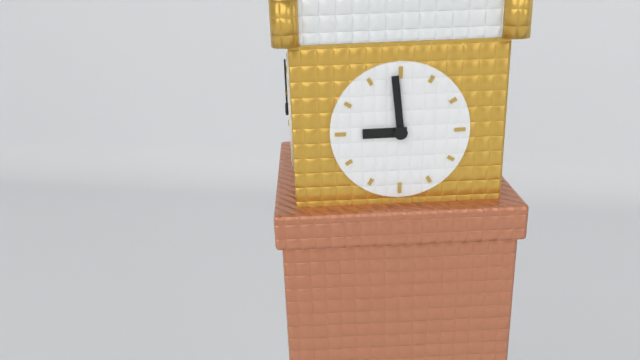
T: **8:59**
